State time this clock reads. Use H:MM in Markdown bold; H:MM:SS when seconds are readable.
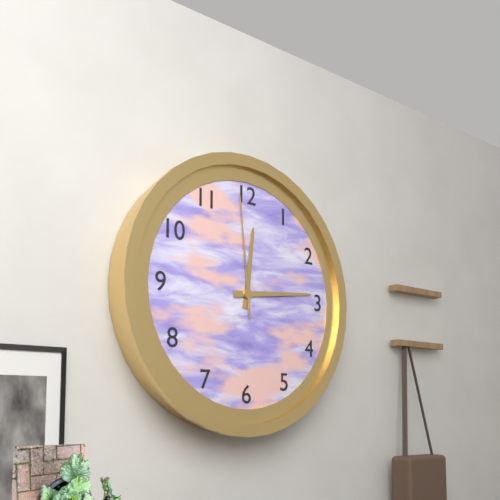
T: **12:14:59**
